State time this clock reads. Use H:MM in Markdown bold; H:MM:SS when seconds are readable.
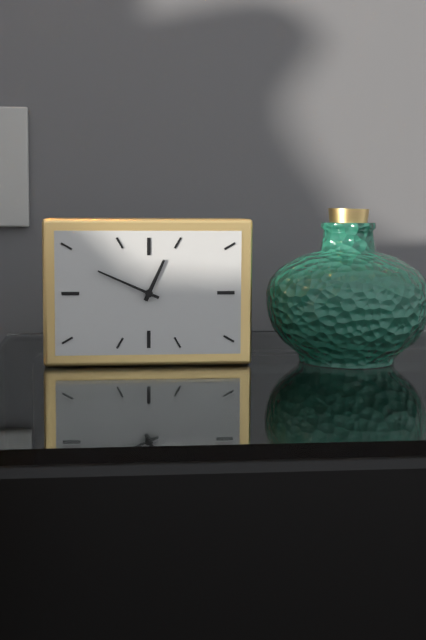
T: **12:49**
